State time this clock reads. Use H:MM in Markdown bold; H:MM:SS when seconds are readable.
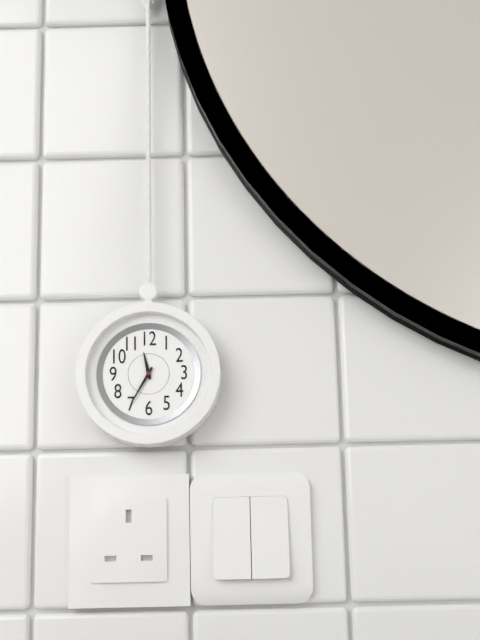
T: **11:35**
